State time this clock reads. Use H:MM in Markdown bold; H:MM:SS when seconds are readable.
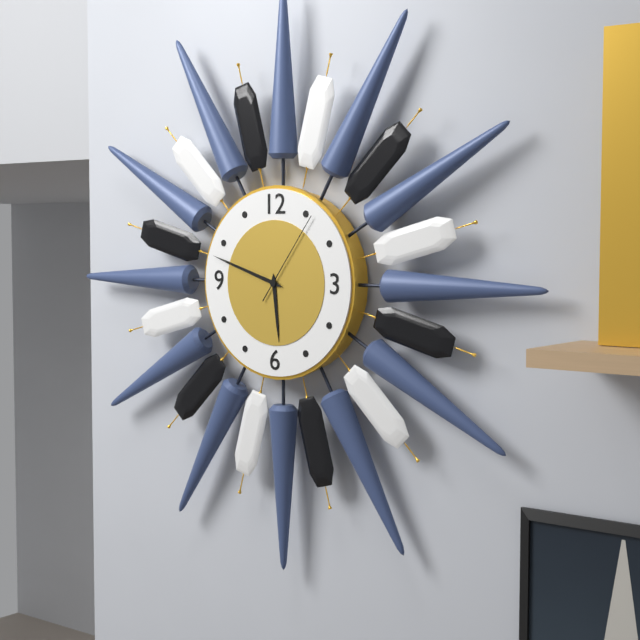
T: **5:48:06**
